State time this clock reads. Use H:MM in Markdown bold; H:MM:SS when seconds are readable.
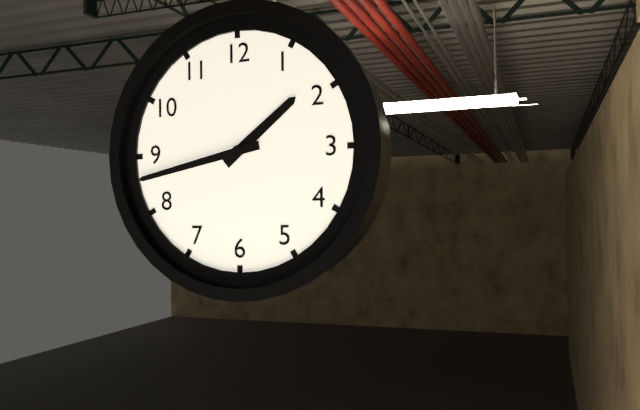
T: **1:43**
